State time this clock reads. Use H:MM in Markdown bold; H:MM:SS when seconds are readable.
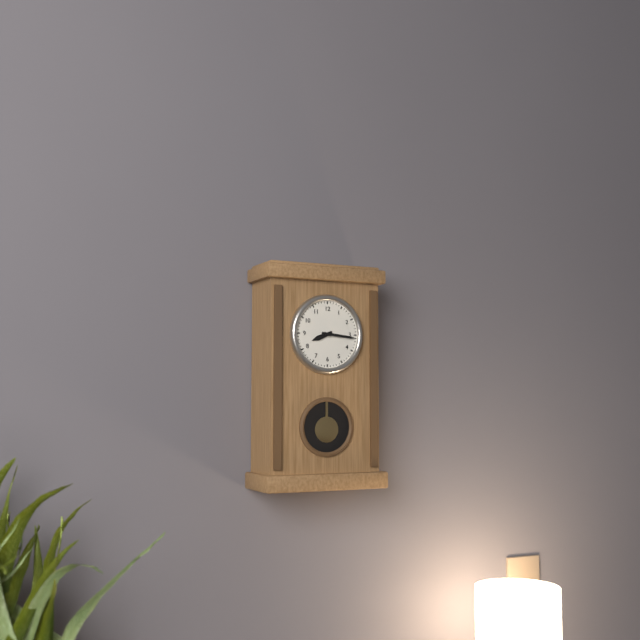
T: **8:16**
